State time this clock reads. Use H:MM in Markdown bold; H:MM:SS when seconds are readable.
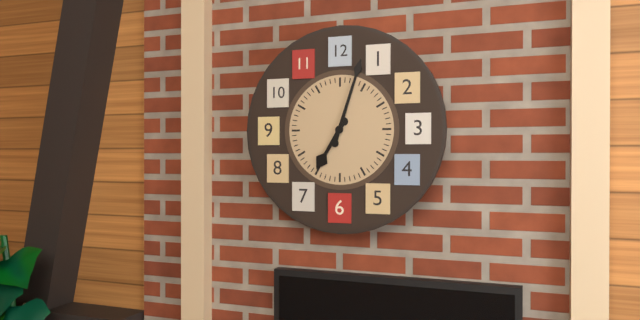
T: **7:03**
